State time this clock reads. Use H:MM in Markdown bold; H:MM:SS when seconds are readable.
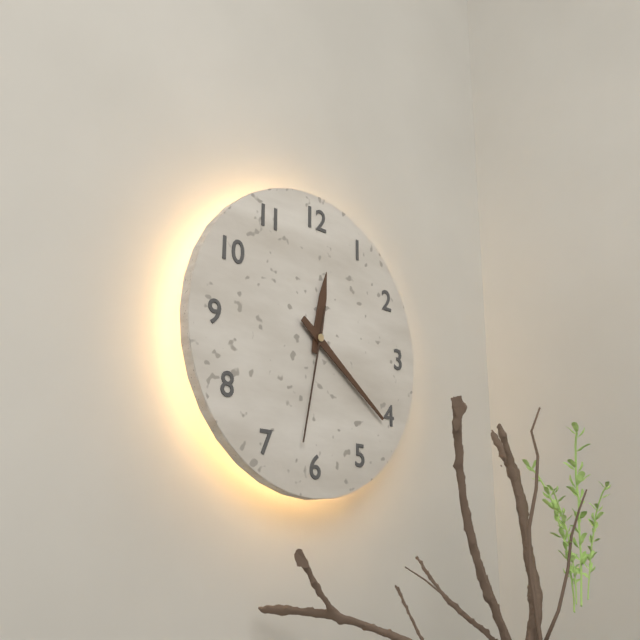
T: **12:21:32**
